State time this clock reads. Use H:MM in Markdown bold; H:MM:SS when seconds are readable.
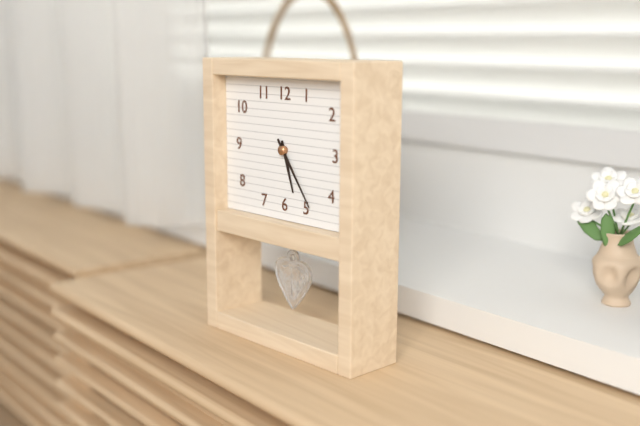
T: **5:24**
